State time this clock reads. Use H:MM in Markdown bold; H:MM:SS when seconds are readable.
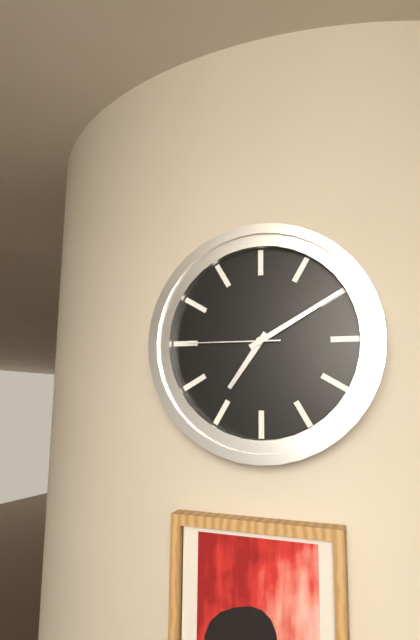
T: **7:10:45**
